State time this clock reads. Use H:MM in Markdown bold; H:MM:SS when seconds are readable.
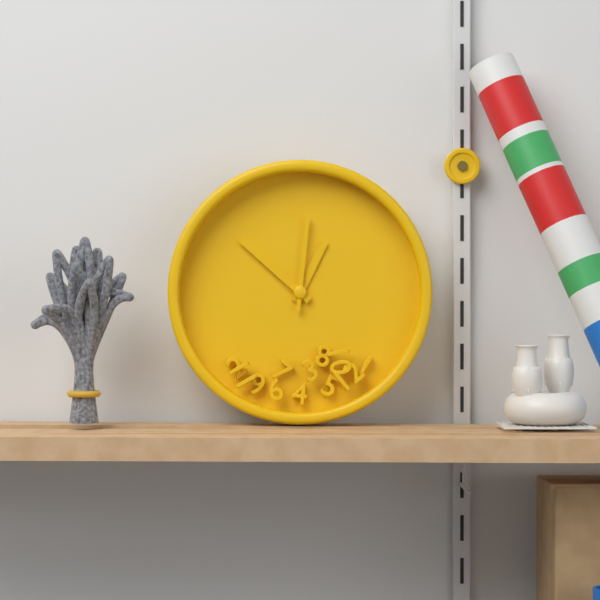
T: **12:52:01**
